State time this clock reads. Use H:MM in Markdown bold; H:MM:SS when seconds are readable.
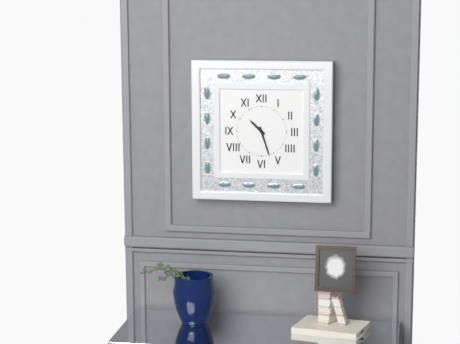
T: **10:27**
